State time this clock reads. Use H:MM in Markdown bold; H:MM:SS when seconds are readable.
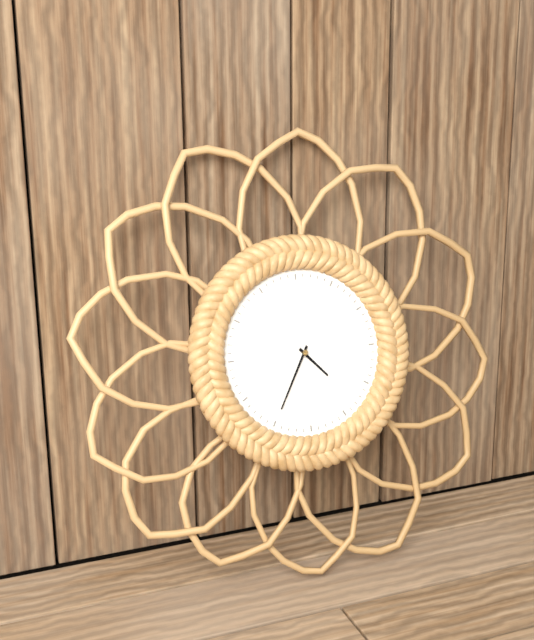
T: **4:35**
